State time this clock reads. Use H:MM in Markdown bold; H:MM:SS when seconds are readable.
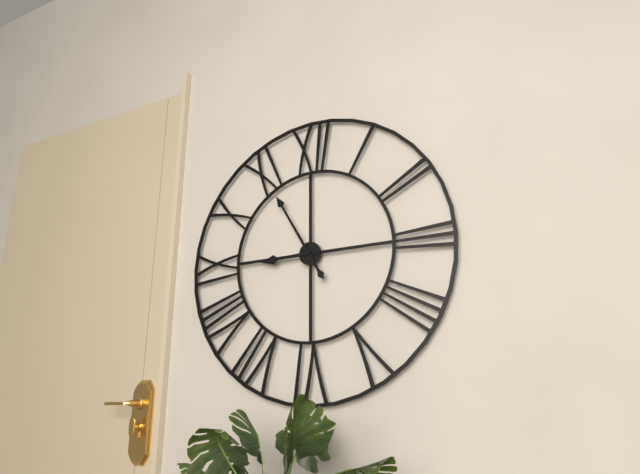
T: **8:55**
